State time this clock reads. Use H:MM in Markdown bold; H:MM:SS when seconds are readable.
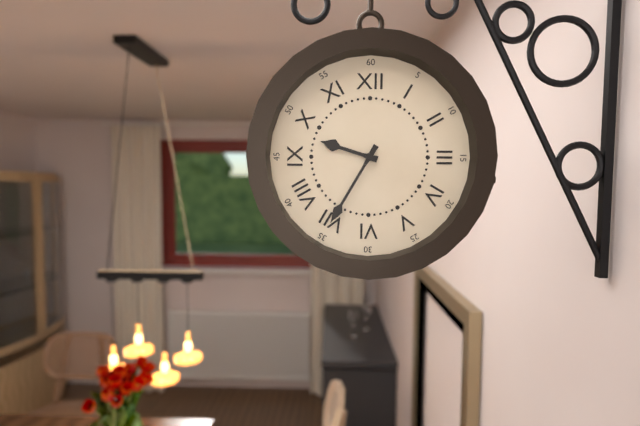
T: **9:35**
